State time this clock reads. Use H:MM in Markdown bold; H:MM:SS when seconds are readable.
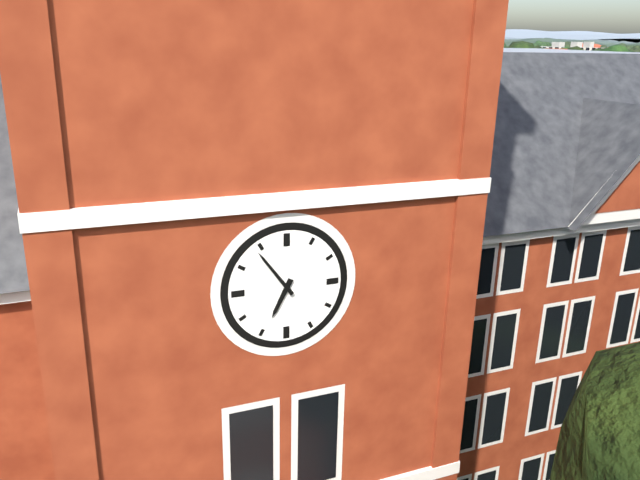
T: **6:54**
